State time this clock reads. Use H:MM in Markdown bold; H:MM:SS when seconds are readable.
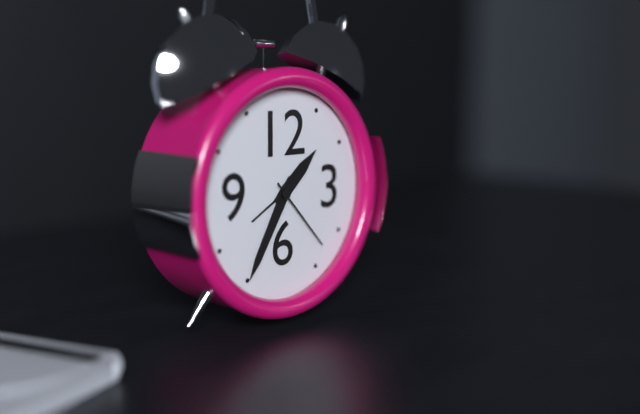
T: **1:35:23**
